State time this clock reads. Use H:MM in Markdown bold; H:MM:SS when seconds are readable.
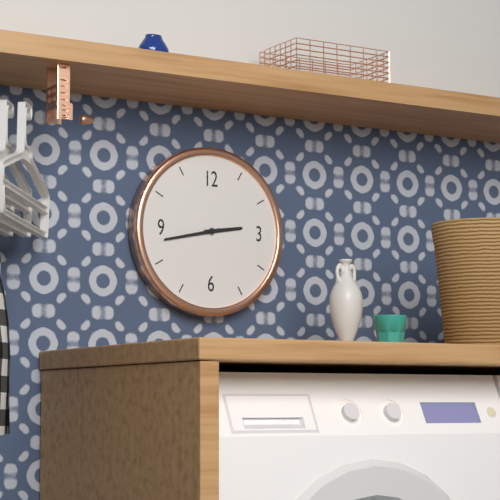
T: **2:43**
